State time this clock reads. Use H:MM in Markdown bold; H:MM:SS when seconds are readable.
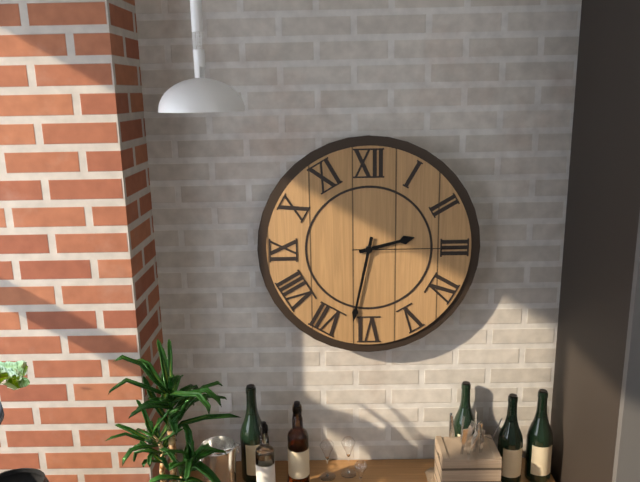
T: **2:32:15**
